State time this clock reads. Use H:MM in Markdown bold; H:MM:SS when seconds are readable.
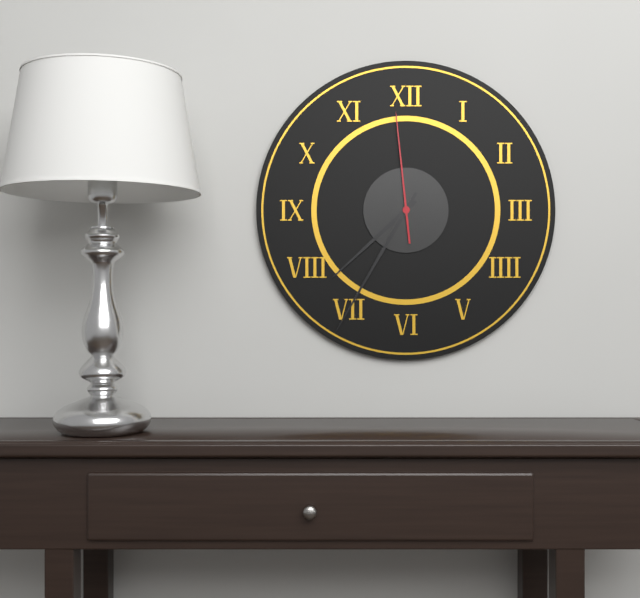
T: **7:35:59**
